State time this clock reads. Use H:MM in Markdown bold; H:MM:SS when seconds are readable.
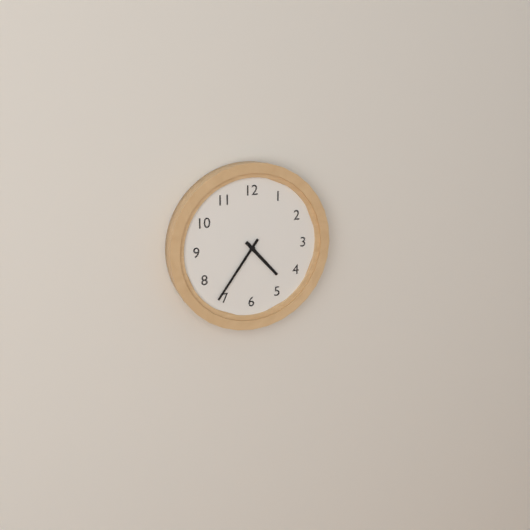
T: **4:36**
